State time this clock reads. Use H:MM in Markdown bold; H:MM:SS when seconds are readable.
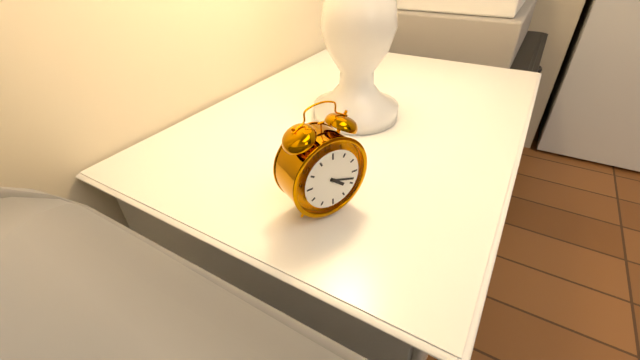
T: **4:18**
